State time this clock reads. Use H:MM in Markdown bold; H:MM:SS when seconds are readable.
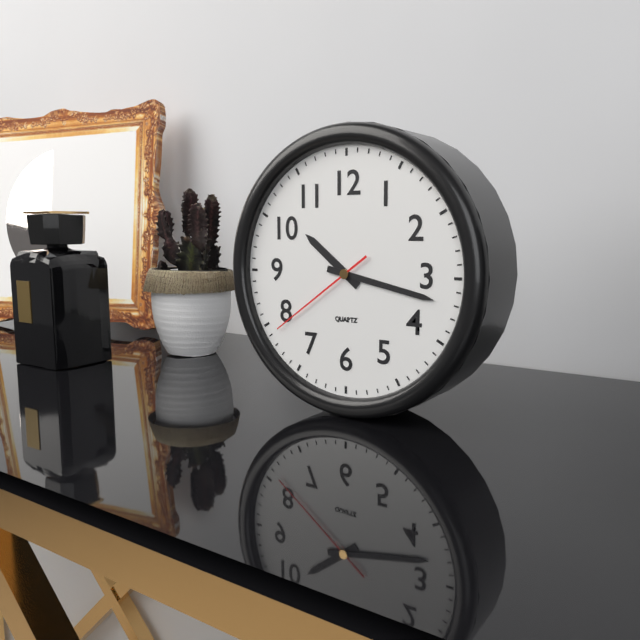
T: **10:17:39**
